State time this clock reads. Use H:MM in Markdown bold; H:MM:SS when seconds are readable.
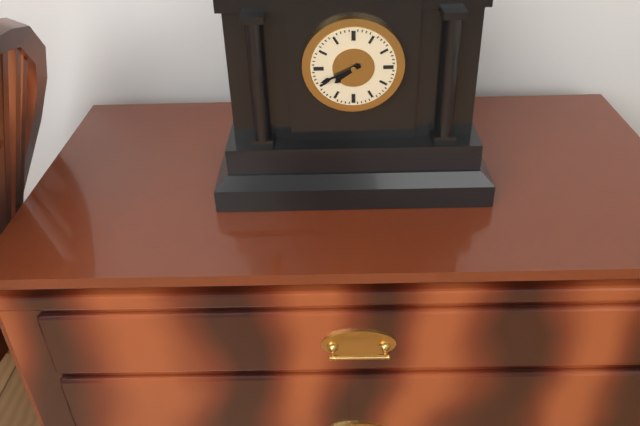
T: **7:41**
